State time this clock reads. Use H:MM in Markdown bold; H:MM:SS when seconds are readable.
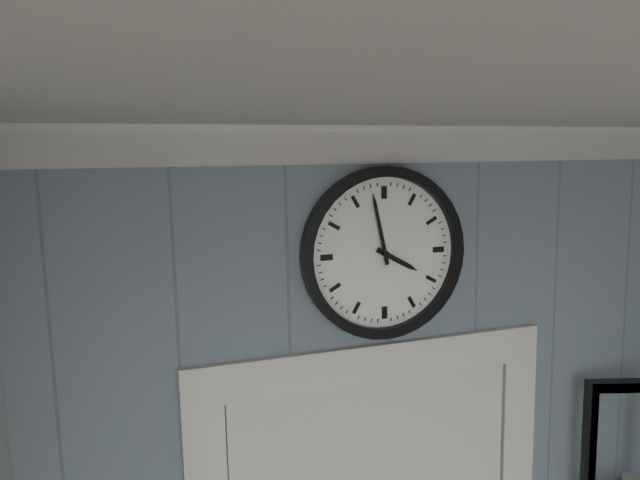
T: **3:58**
